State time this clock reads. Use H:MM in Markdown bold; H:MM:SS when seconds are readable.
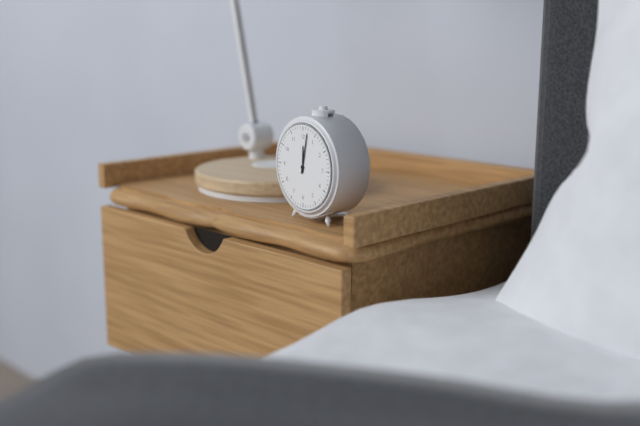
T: **12:02**
